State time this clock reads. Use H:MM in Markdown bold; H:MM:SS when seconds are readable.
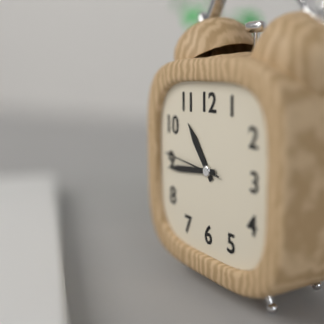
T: **10:44:46**
